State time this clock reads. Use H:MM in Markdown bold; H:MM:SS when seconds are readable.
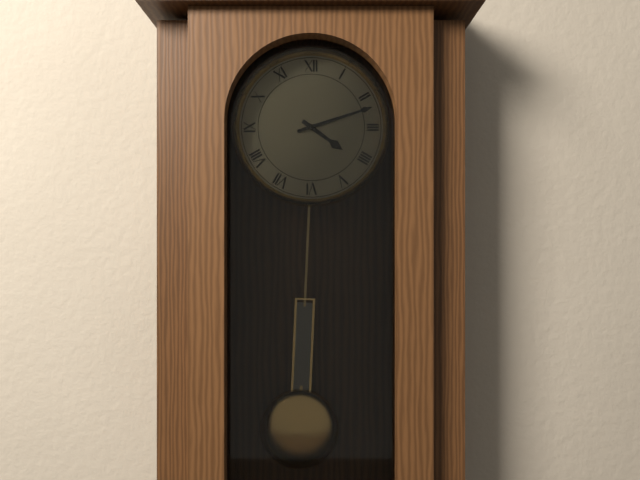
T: **4:12**
